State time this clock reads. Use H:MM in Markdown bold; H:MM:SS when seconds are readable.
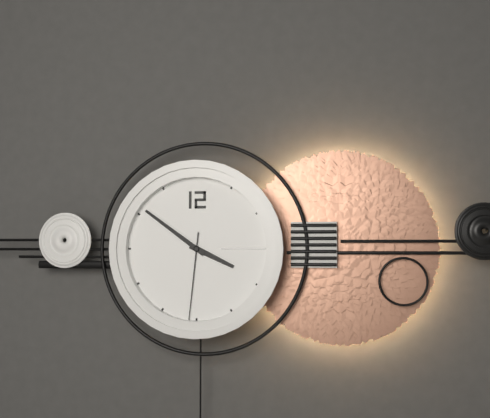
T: **3:51:31**
